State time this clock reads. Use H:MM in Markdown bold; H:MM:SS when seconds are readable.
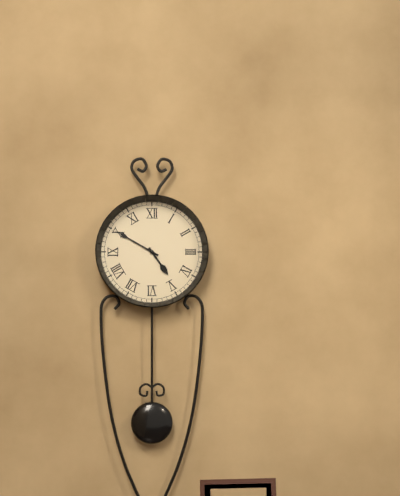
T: **4:50**
